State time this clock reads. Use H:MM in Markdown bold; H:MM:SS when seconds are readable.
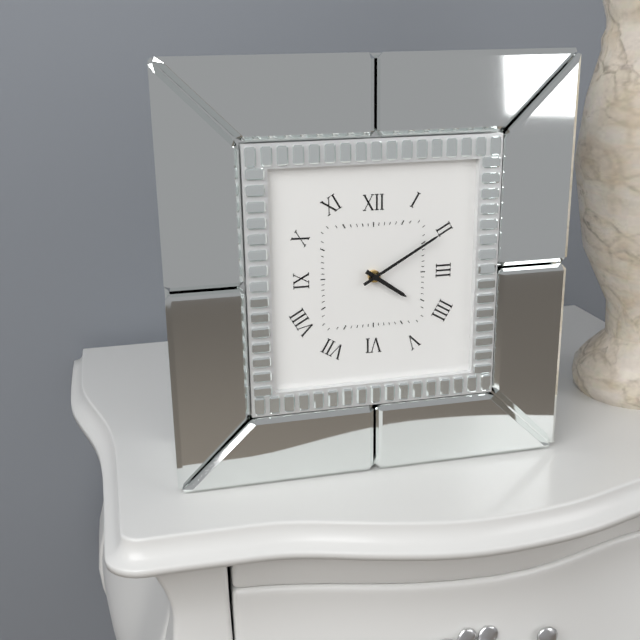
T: **4:10**
